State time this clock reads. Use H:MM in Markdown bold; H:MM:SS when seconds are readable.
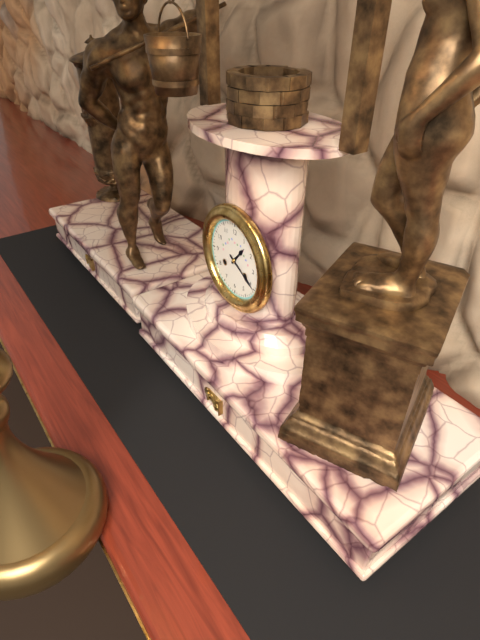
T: **1:20**
